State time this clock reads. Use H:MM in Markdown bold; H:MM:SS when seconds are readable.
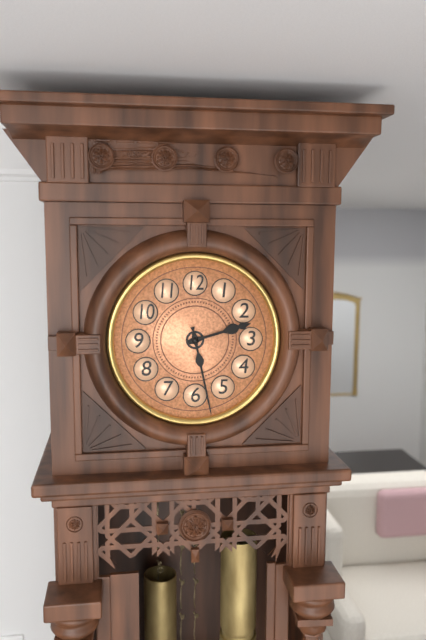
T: **2:28**
